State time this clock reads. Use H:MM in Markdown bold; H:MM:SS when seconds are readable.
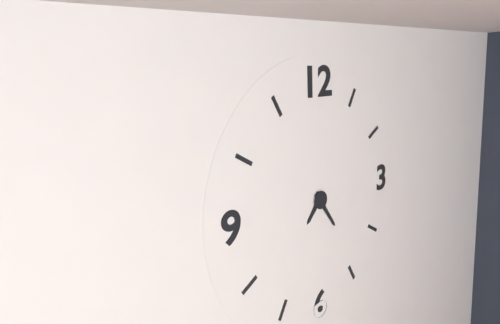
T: **7:24**
